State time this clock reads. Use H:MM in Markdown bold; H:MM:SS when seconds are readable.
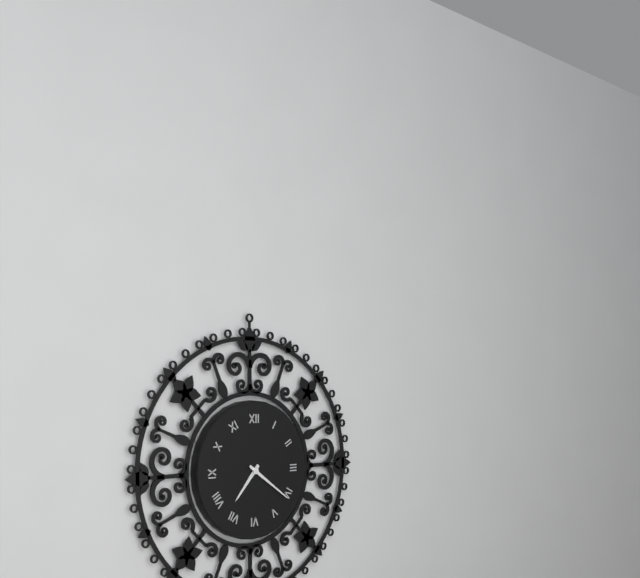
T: **7:21**
